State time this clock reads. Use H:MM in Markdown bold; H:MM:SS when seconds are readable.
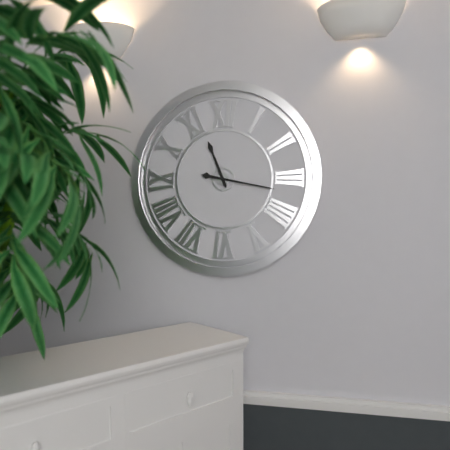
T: **11:17**
